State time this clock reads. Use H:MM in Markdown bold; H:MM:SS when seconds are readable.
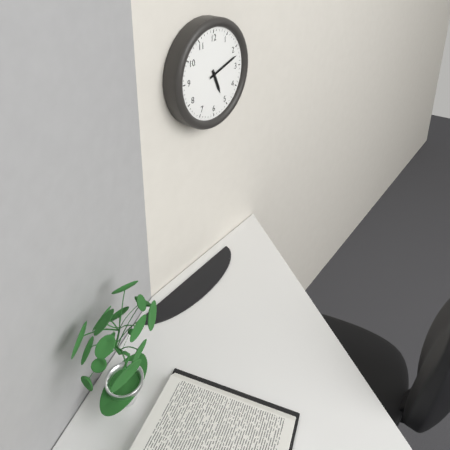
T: **5:12**
